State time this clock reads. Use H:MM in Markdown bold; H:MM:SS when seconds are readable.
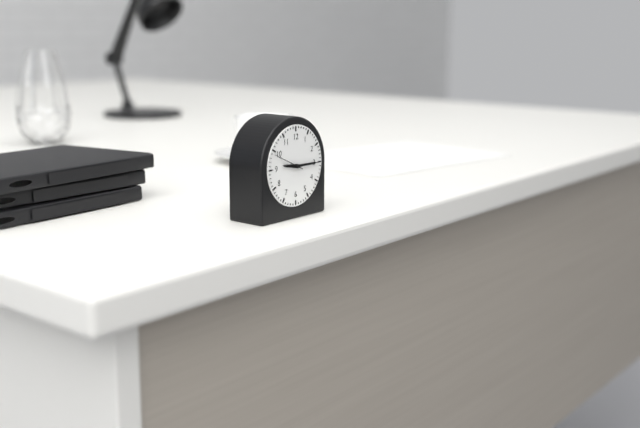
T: **9:15**
